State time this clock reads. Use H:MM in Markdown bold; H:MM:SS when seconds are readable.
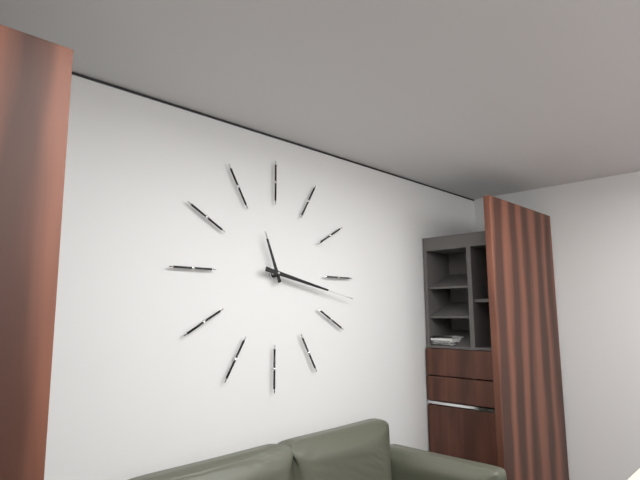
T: **11:17**
